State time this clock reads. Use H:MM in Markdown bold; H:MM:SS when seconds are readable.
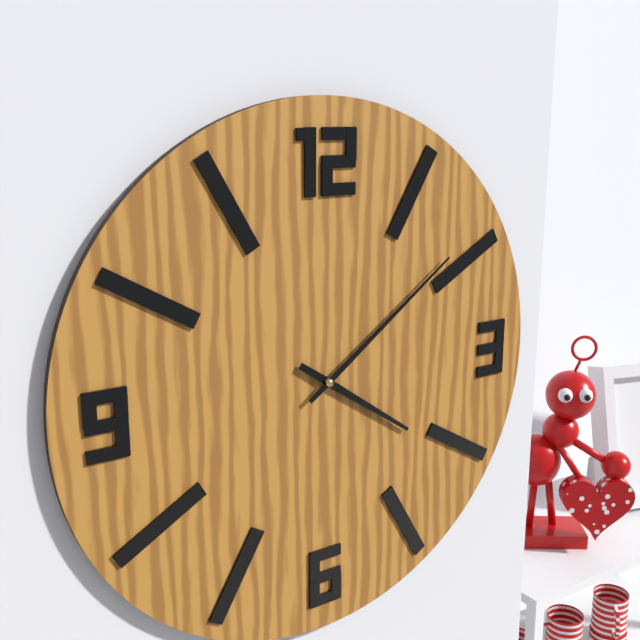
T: **4:09**
